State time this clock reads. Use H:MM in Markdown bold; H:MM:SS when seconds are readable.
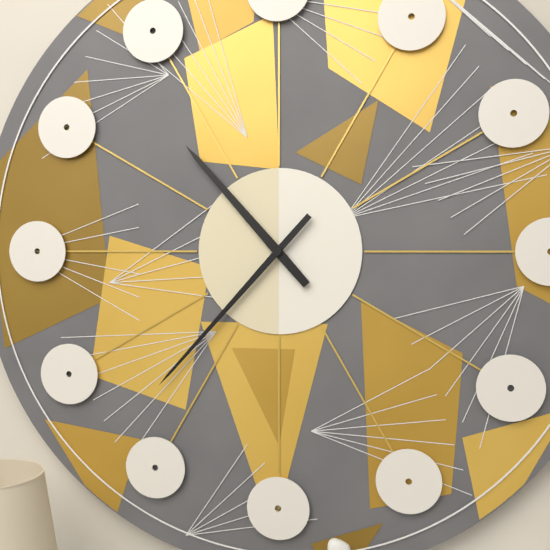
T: **10:37**
